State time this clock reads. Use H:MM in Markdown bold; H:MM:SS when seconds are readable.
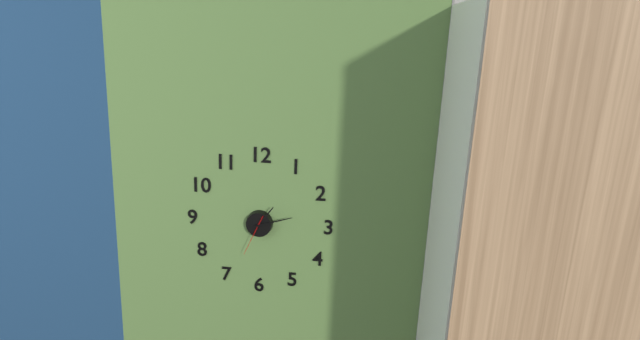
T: **1:12**
